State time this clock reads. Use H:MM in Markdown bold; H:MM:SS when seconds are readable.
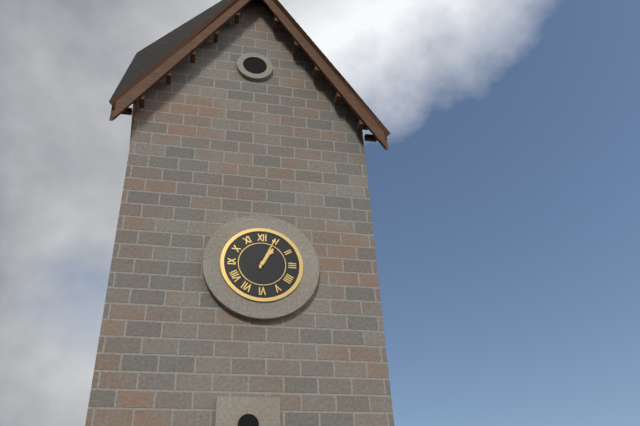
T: **1:04**
